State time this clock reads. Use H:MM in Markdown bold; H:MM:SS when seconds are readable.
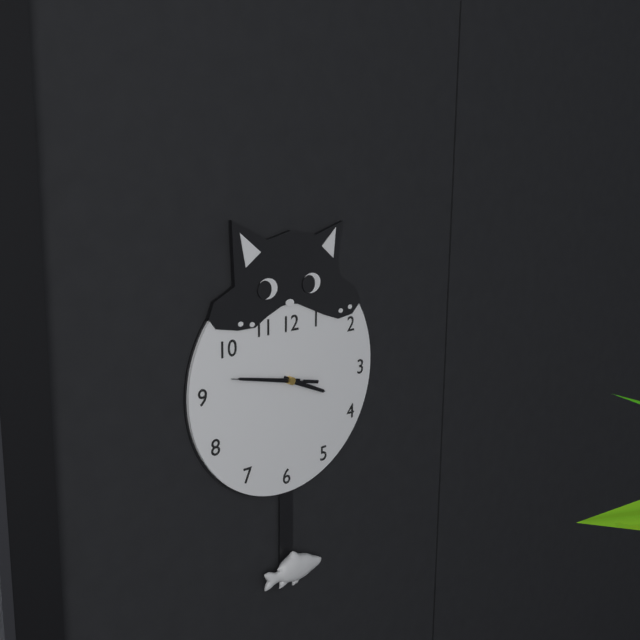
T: **3:47:47**
